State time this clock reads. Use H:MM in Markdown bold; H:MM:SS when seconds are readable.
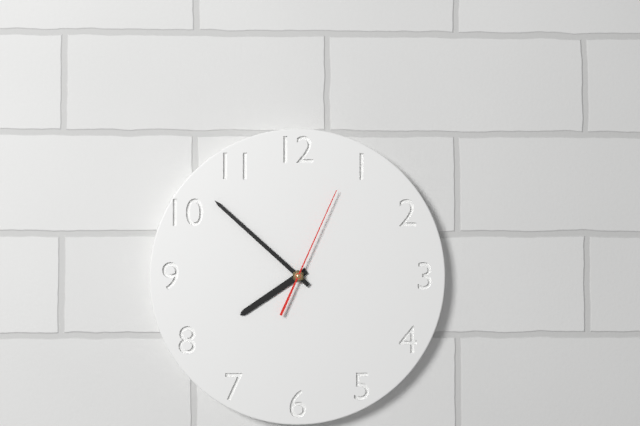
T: **7:52:04**
